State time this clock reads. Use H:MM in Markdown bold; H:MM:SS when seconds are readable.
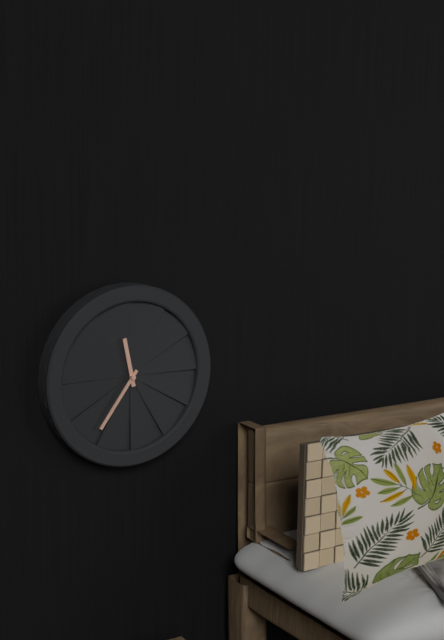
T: **11:36**
